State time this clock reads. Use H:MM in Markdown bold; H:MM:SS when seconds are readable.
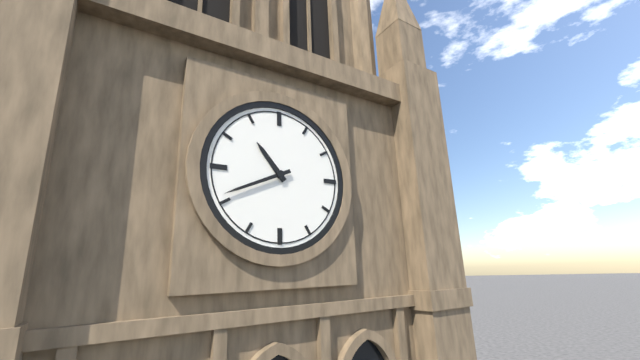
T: **10:41**
